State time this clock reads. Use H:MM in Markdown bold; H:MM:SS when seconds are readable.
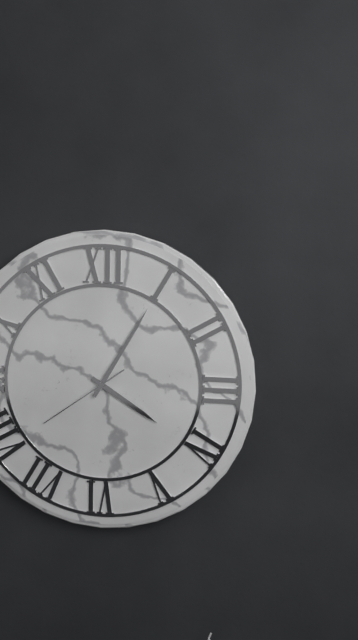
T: **4:05:39**
